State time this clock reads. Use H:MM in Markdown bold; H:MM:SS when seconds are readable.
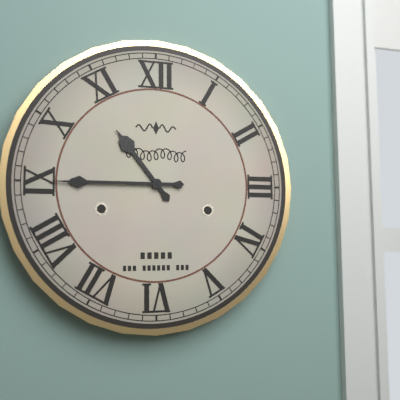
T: **10:45**
